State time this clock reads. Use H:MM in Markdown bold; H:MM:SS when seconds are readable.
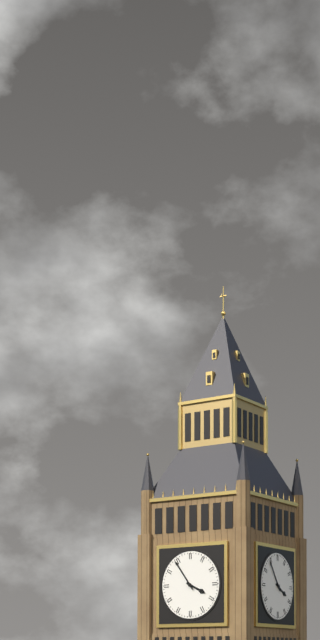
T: **3:54**
